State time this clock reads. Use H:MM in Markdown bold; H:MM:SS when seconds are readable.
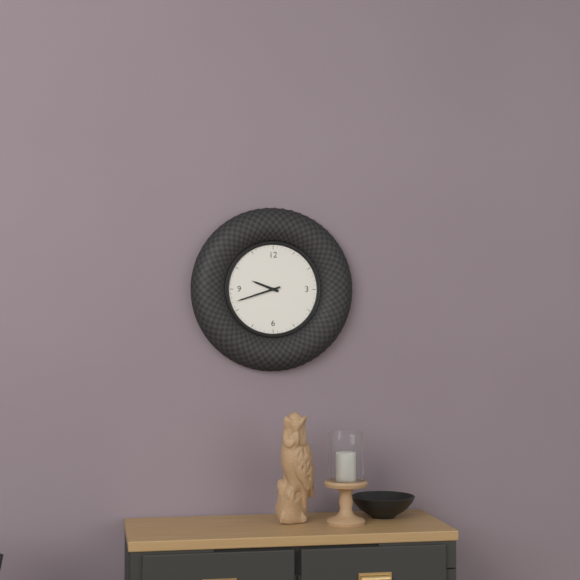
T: **9:42**
